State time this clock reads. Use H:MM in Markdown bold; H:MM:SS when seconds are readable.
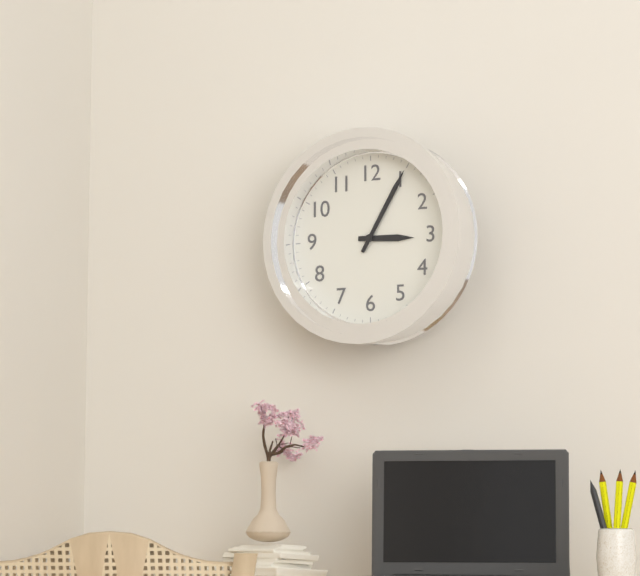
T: **3:05**
